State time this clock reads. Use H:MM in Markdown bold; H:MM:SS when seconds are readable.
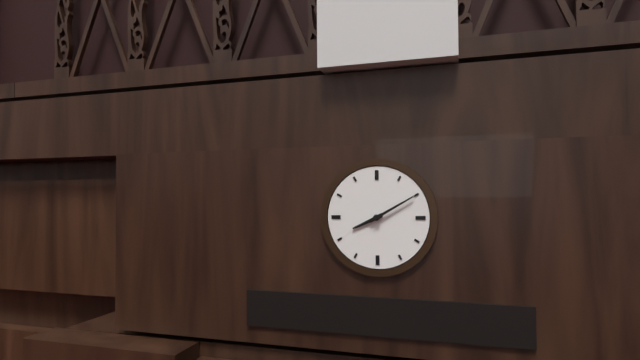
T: **8:10**
